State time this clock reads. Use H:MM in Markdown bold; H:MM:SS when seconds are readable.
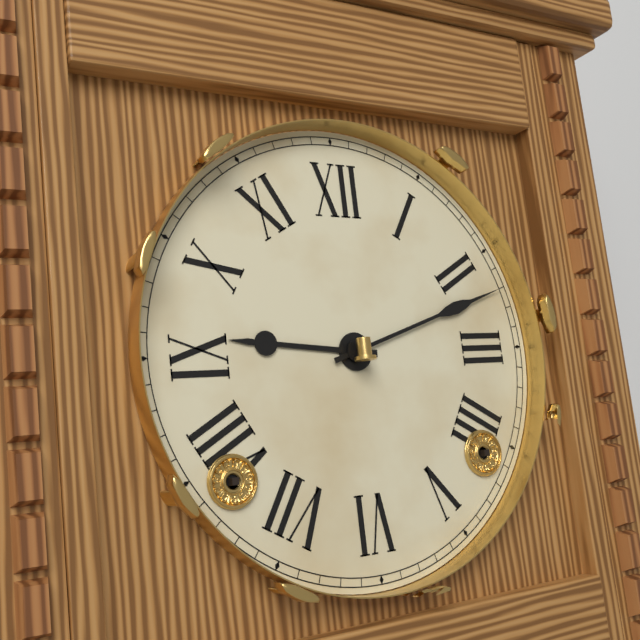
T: **9:12**
